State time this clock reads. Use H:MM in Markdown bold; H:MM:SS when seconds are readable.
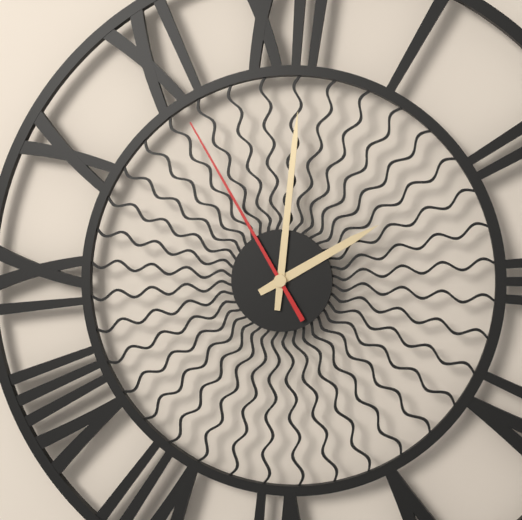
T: **2:01:55**
